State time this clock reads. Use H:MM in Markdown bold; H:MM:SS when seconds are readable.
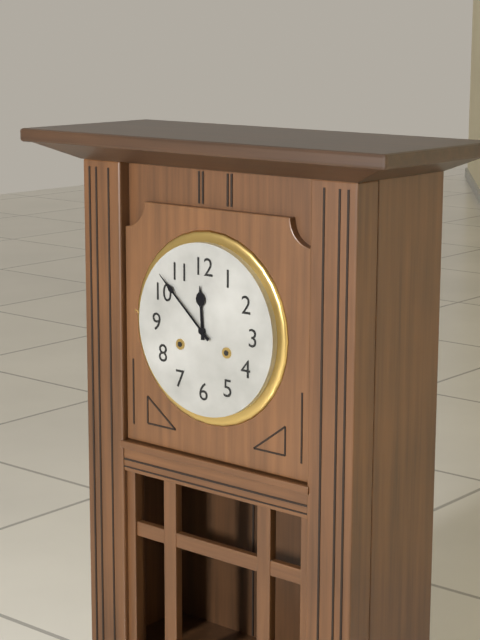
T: **11:52**
